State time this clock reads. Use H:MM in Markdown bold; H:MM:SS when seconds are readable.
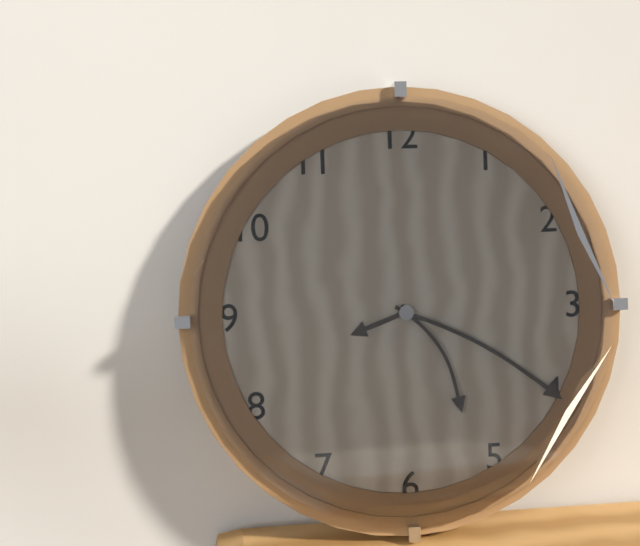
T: **8:20:25**
